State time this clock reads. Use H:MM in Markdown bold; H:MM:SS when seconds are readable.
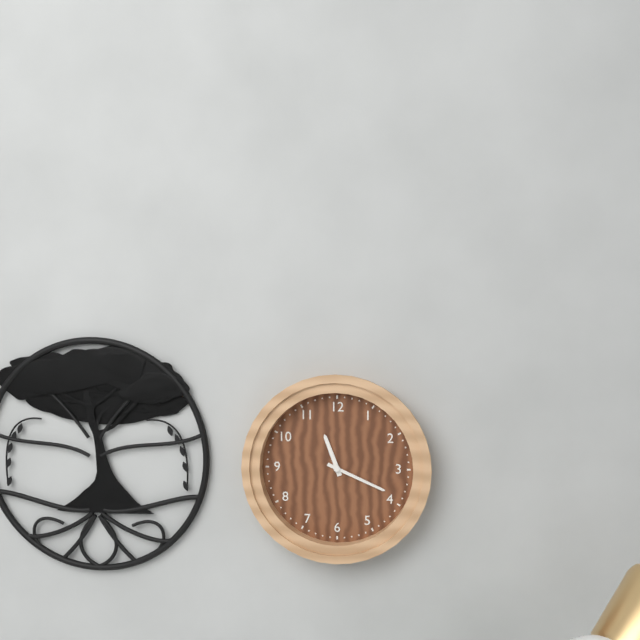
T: **11:19**
